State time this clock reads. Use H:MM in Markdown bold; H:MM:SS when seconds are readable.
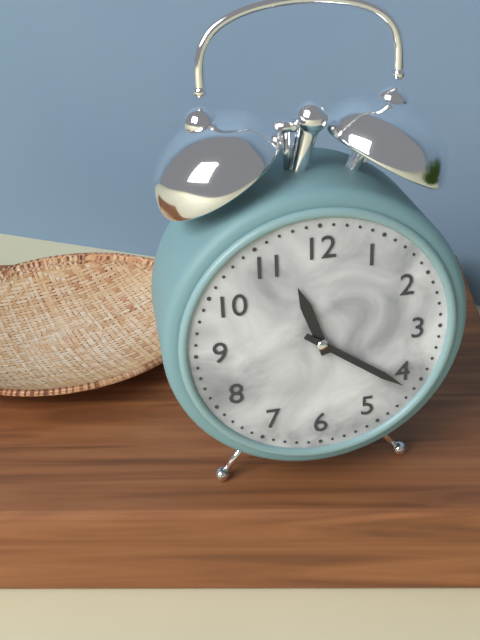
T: **11:21**
